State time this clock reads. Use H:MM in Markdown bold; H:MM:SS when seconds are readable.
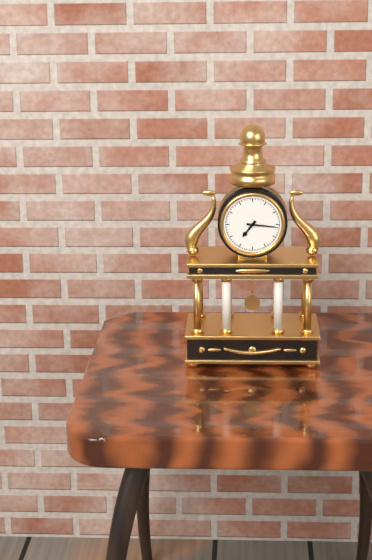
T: **7:16**
